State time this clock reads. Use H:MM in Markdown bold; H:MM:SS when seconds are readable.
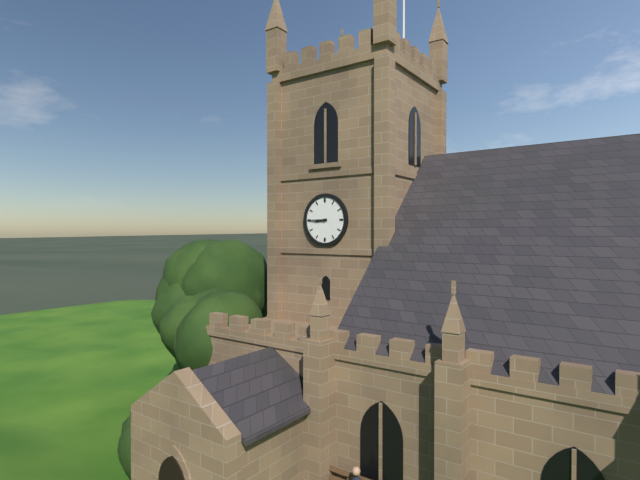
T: **8:45**
